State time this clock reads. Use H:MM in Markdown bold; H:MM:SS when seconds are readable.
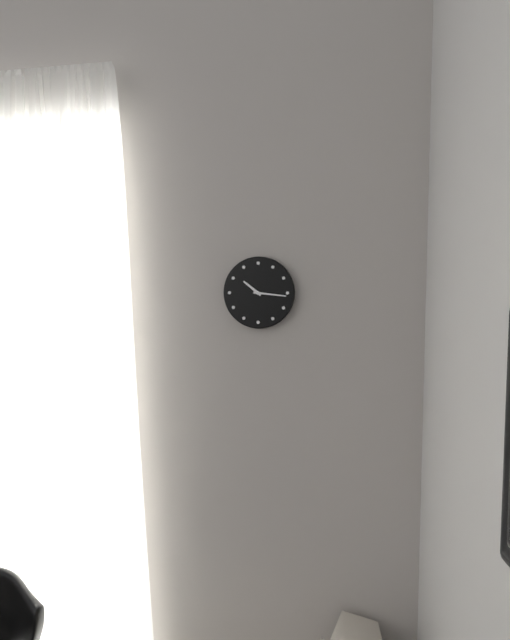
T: **10:16**
